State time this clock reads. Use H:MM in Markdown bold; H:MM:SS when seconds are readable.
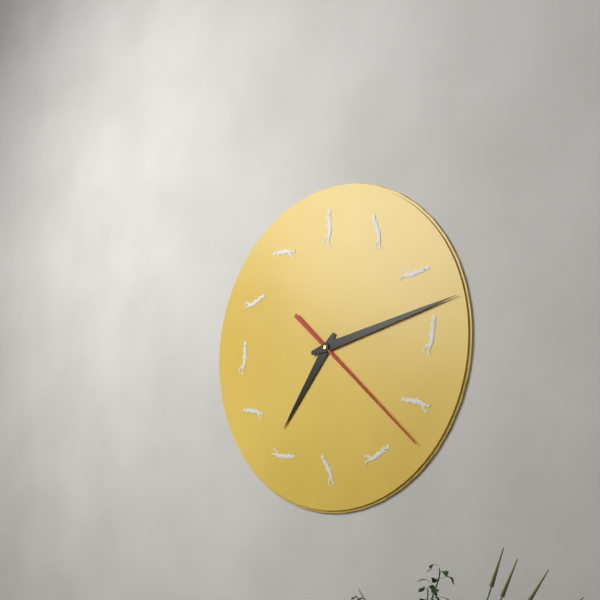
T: **7:13:22**
